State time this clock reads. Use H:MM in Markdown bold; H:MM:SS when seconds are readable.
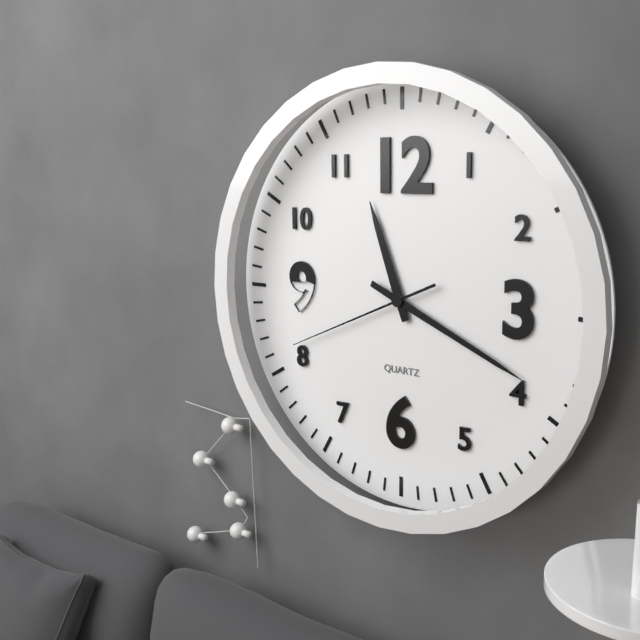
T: **11:19:41**
